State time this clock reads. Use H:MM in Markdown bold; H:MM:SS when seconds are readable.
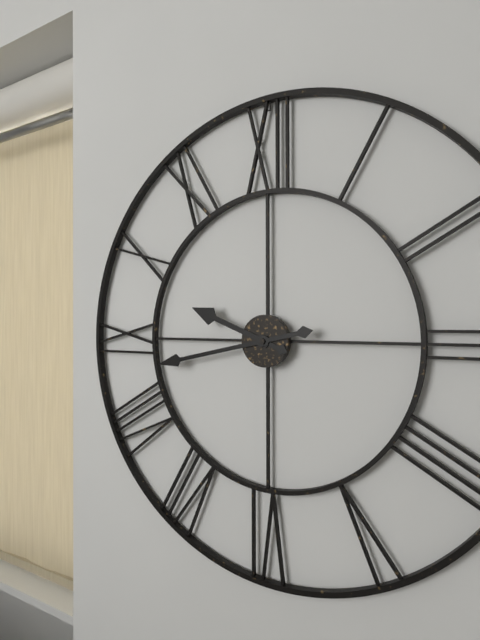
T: **9:43**
